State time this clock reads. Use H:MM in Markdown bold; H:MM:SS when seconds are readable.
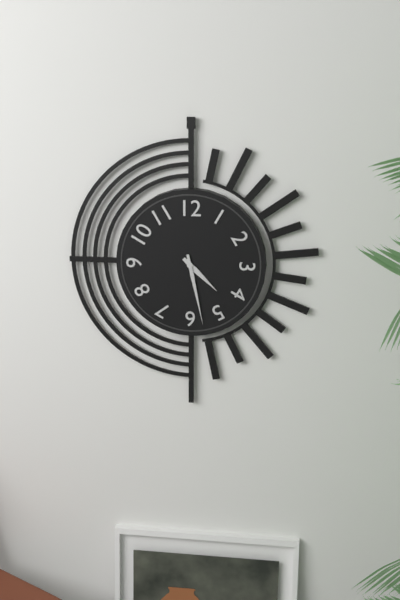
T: **4:28**
